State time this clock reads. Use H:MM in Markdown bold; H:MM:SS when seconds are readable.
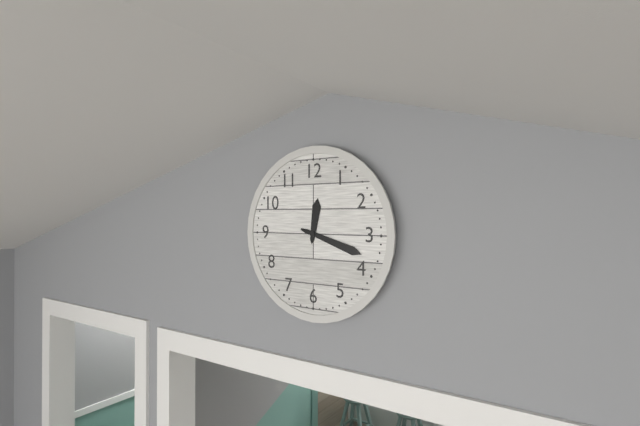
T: **12:18**
